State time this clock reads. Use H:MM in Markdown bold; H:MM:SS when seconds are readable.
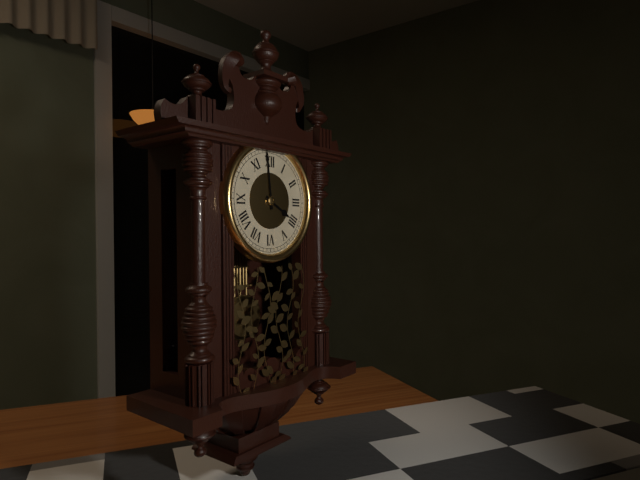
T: **3:59**
